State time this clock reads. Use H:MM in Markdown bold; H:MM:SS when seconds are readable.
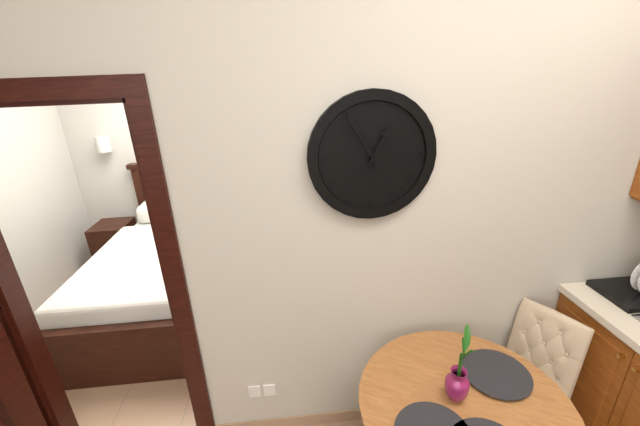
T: **12:55**
